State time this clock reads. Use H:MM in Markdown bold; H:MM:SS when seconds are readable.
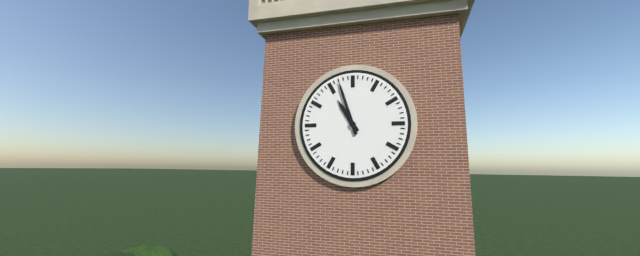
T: **10:57**
